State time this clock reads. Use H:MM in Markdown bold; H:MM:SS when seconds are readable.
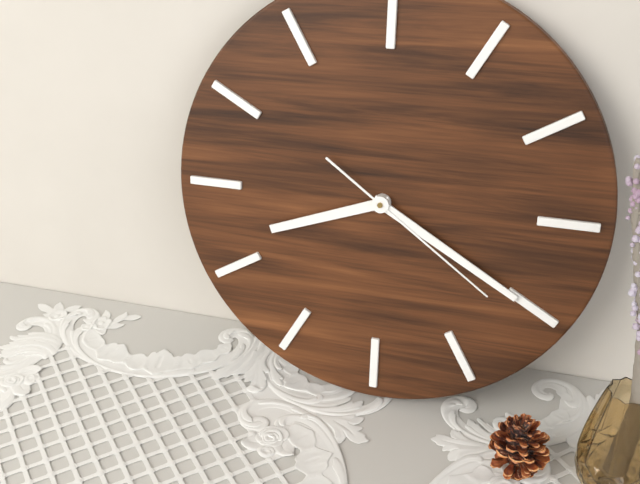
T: **8:20:21**
